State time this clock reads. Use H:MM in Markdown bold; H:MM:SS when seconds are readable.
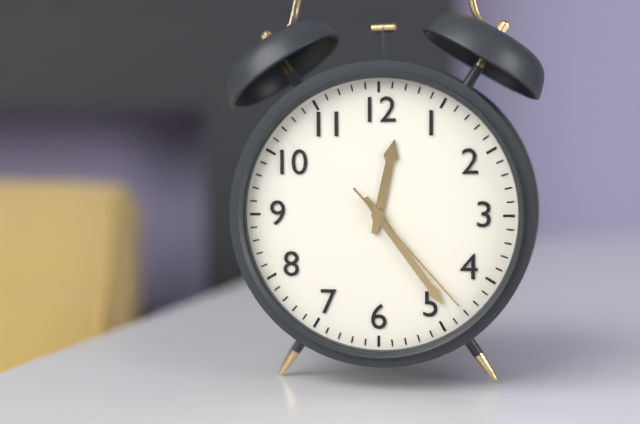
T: **12:24:23**
